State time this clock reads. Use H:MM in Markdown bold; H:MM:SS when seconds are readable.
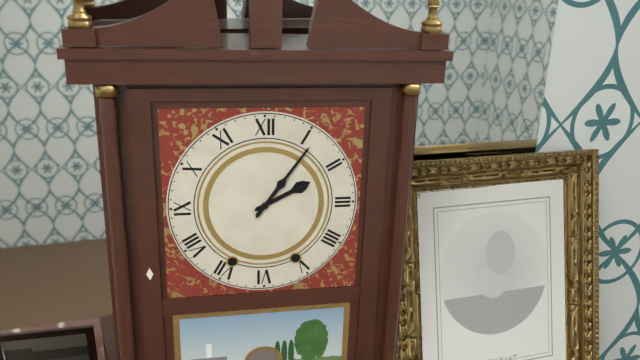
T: **2:06**
